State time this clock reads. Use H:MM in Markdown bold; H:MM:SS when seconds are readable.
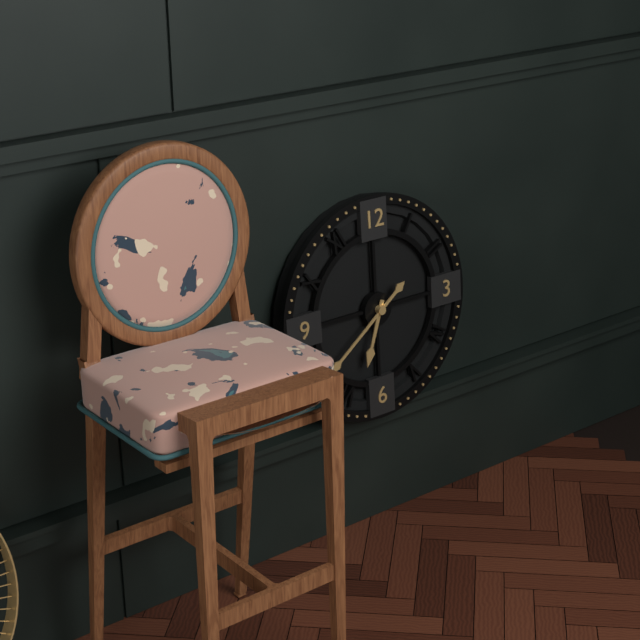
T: **6:39**
